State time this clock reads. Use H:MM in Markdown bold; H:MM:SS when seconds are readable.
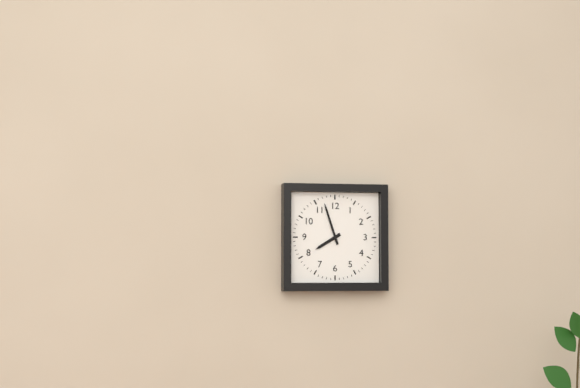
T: **7:57**
